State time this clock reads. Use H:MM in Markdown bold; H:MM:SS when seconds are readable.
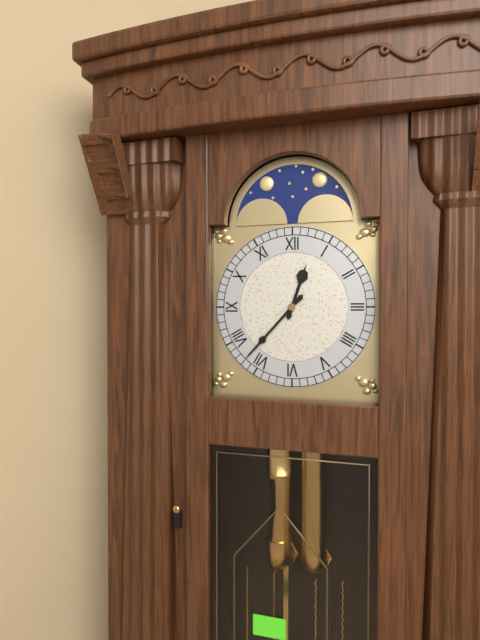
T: **12:37**
